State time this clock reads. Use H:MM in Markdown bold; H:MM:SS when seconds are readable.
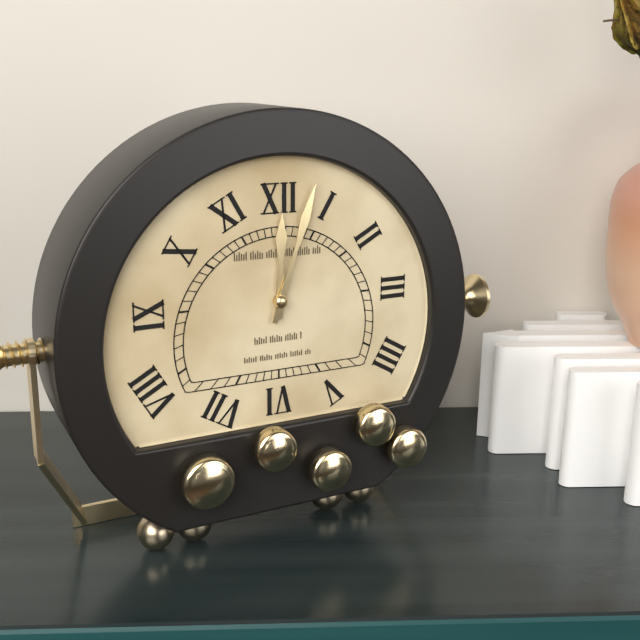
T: **12:03**
